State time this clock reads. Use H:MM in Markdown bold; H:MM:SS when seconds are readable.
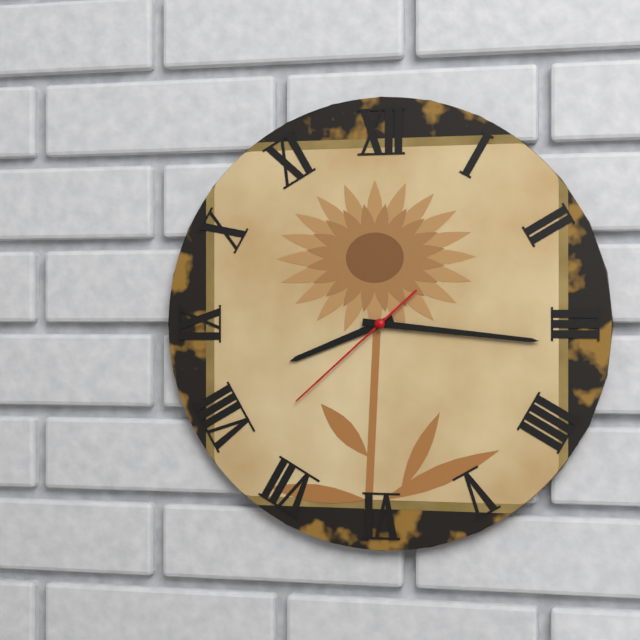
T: **8:16:38**
